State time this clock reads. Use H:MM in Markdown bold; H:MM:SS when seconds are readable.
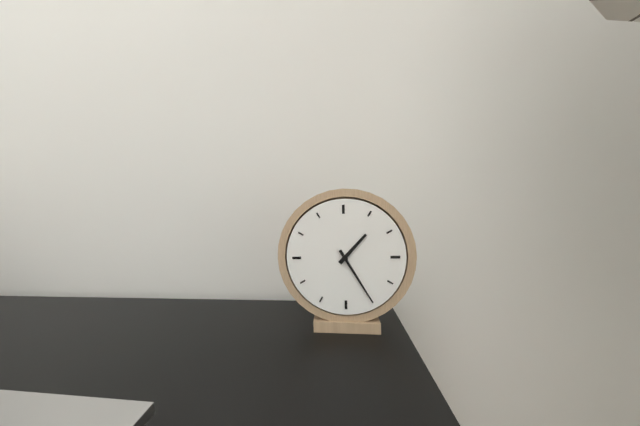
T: **1:25**
